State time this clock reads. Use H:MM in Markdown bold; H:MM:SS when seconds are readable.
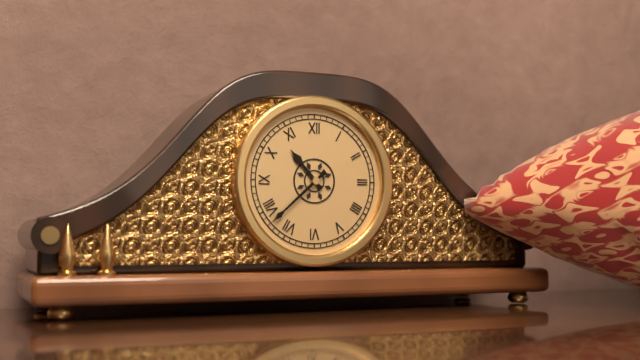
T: **10:38**
